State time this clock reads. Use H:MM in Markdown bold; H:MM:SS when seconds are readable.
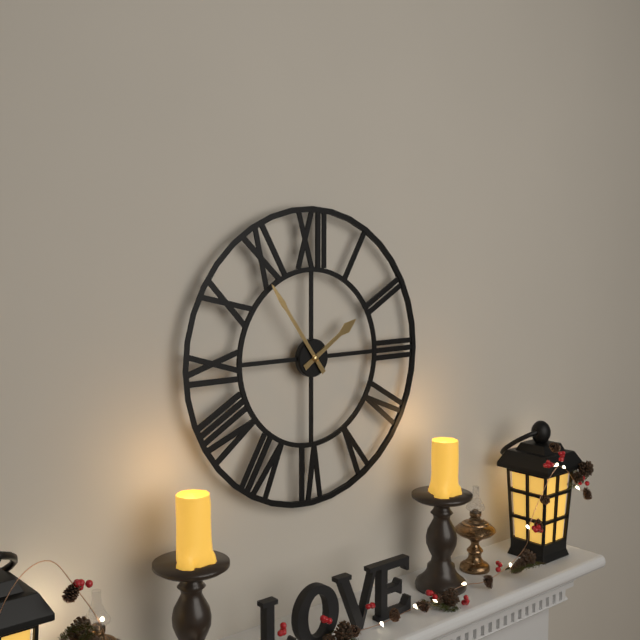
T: **1:54**
